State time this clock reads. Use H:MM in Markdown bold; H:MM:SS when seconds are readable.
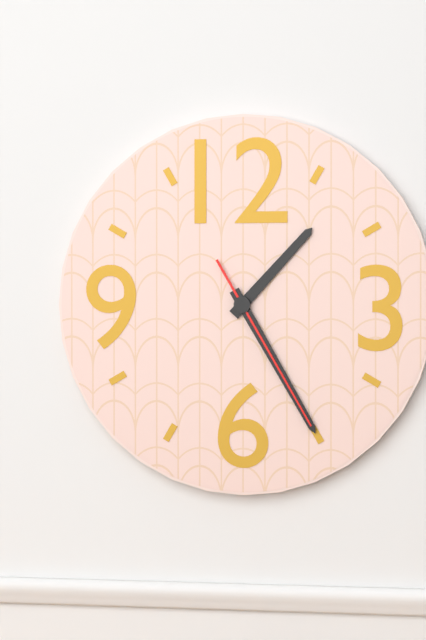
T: **1:25:25**
